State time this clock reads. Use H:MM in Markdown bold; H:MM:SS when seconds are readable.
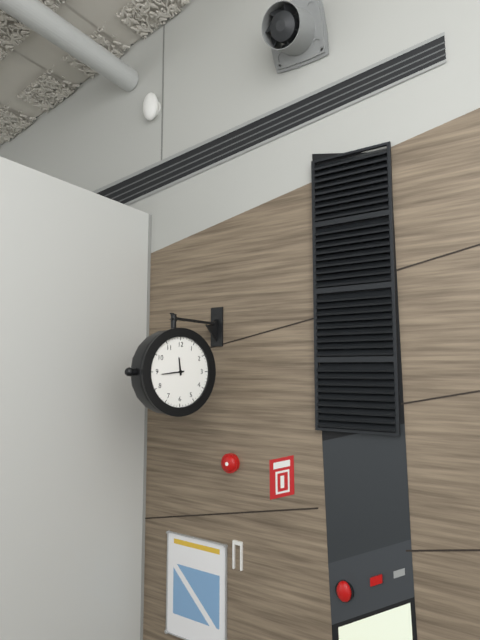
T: **11:44**
